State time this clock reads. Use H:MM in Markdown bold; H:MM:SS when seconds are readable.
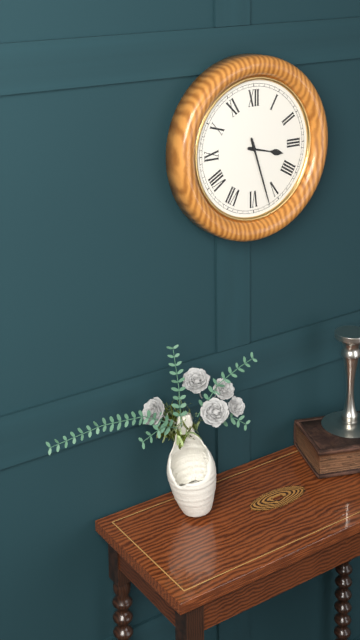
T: **3:27**
